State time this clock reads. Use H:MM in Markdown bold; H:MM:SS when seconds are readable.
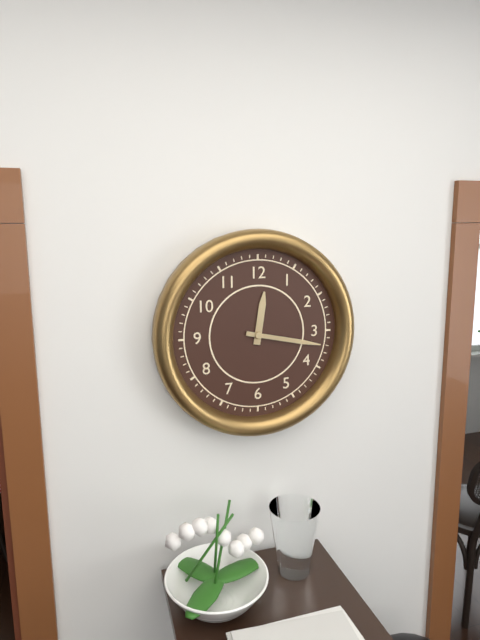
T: **12:17**
